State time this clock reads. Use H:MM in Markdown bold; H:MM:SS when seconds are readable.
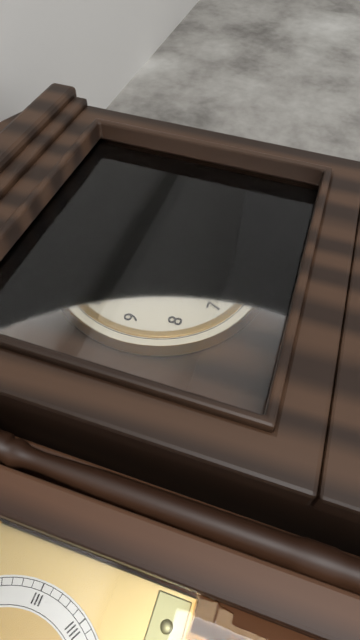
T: **2:28**
